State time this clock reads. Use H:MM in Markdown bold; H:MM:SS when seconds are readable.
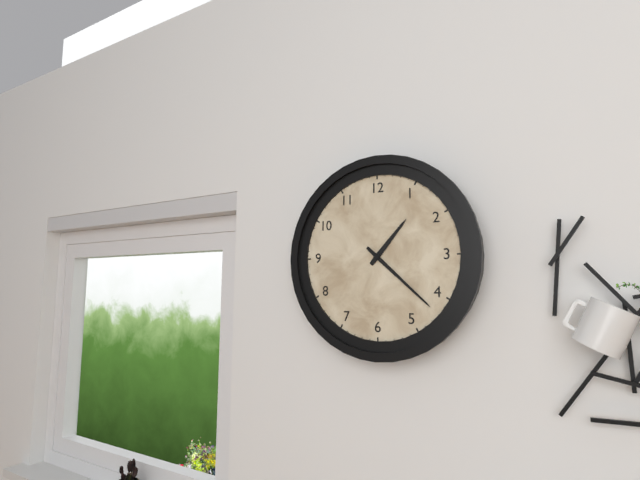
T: **1:22**
